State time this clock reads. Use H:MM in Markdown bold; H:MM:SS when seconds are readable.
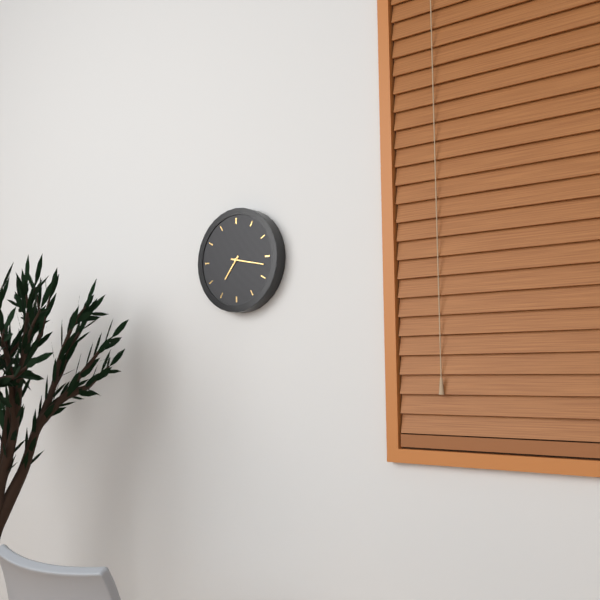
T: **7:17**
